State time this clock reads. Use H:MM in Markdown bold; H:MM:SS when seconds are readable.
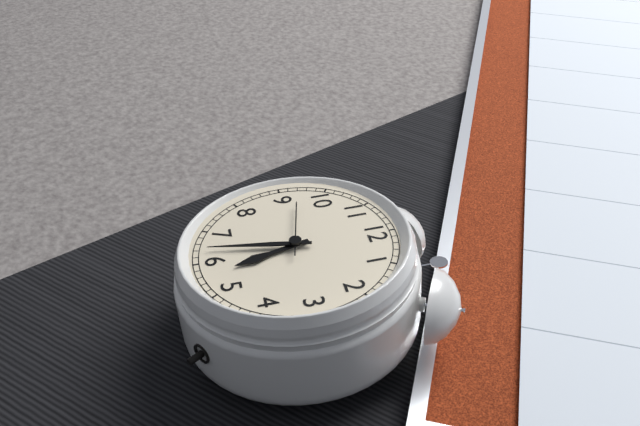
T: **5:32:47**
